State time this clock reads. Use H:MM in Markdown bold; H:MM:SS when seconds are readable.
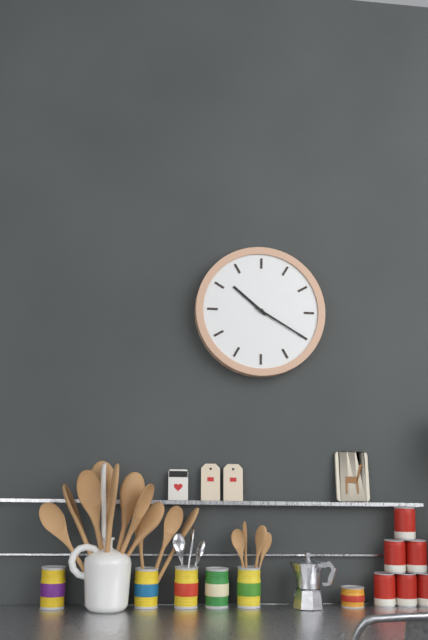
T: **10:20**
